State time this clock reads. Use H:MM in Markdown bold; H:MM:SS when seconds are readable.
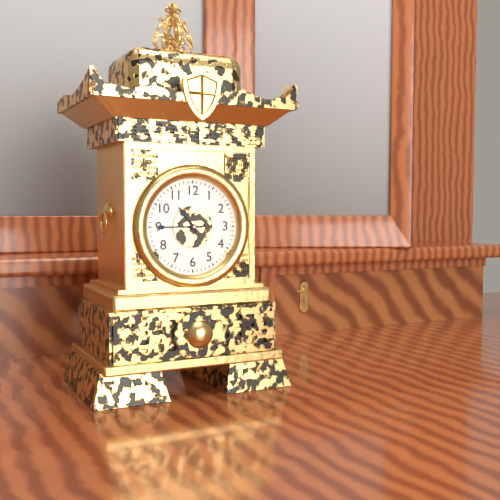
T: **10:45**
